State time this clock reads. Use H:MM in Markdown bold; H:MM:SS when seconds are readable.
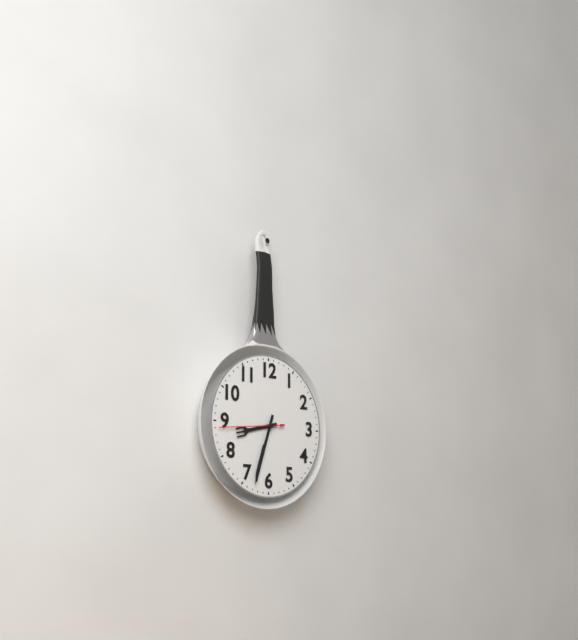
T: **8:33:44**
